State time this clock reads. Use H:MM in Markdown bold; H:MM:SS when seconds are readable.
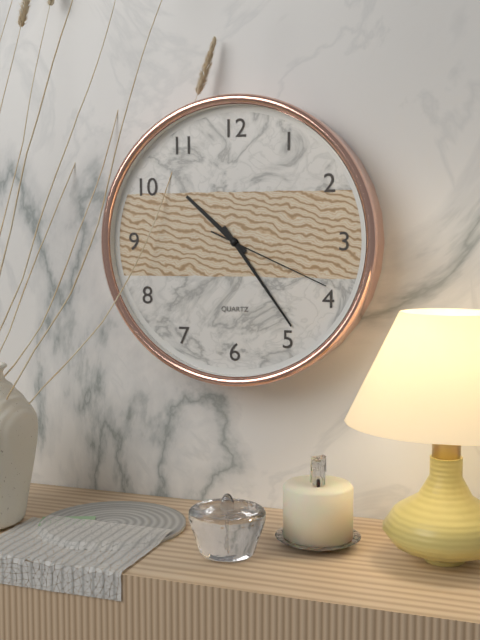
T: **10:24:19**
